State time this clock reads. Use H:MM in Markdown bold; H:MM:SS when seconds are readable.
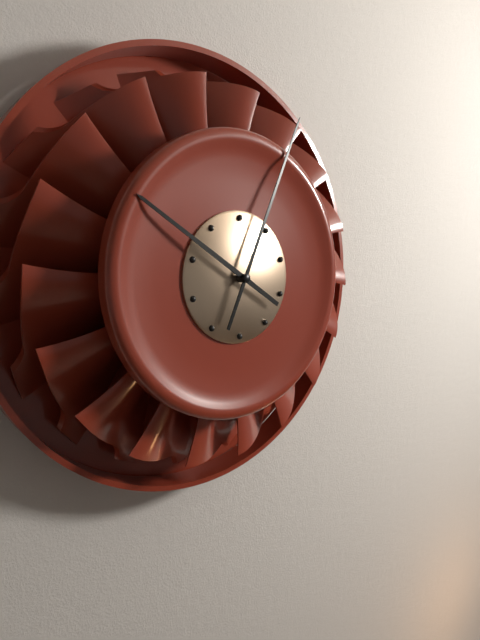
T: **10:04**
